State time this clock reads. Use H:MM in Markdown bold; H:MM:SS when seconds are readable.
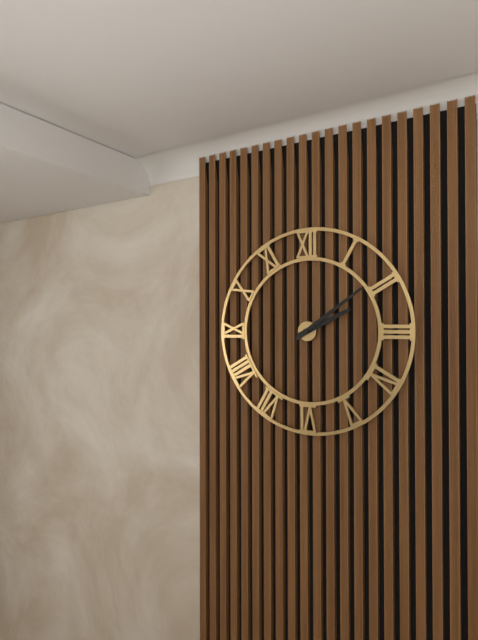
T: **2:09**
